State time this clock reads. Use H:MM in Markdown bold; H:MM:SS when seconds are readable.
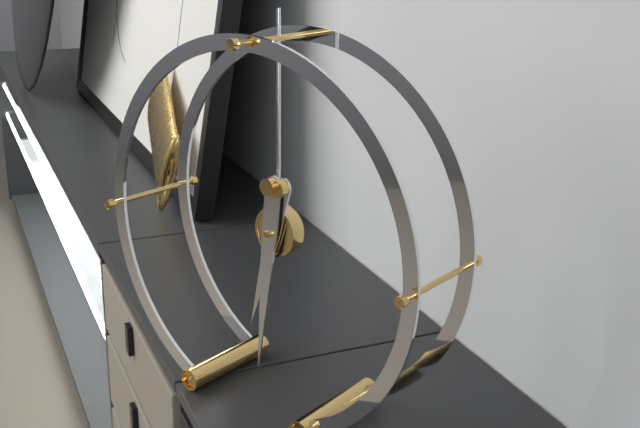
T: **6:31**
